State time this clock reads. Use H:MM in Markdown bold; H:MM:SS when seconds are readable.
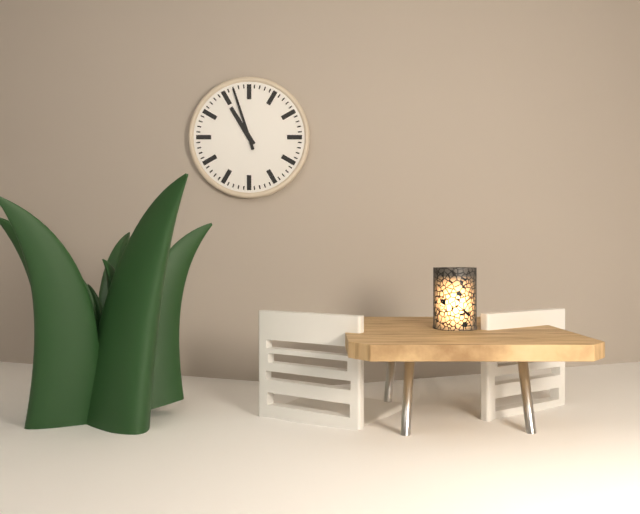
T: **10:57**
